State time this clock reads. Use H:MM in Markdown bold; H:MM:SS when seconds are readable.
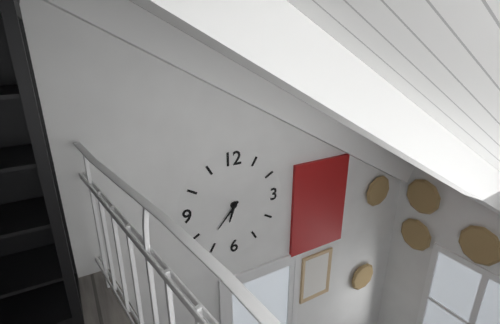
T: **6:37**
